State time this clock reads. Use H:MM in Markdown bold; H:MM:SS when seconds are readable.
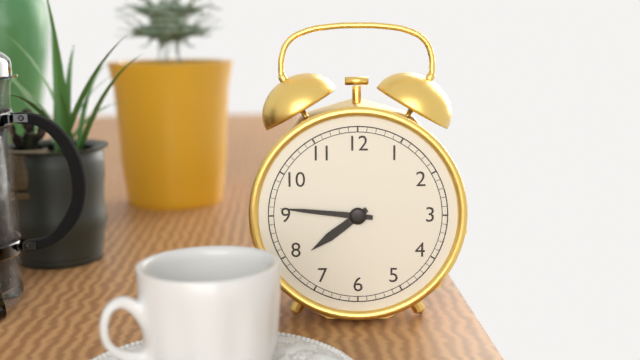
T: **7:46**
